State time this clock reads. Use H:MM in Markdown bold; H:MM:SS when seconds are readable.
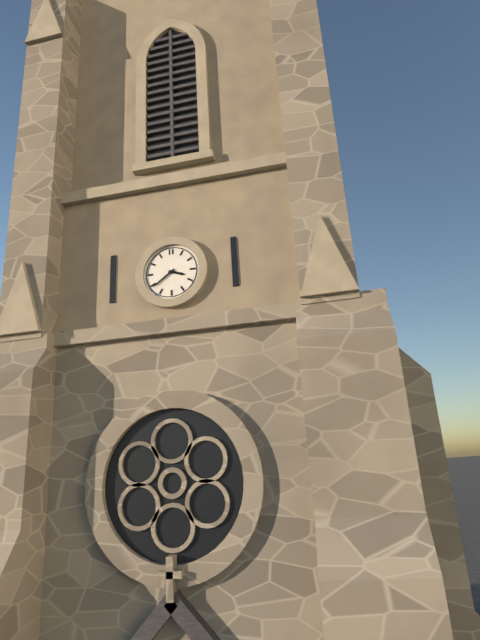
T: **3:39**
